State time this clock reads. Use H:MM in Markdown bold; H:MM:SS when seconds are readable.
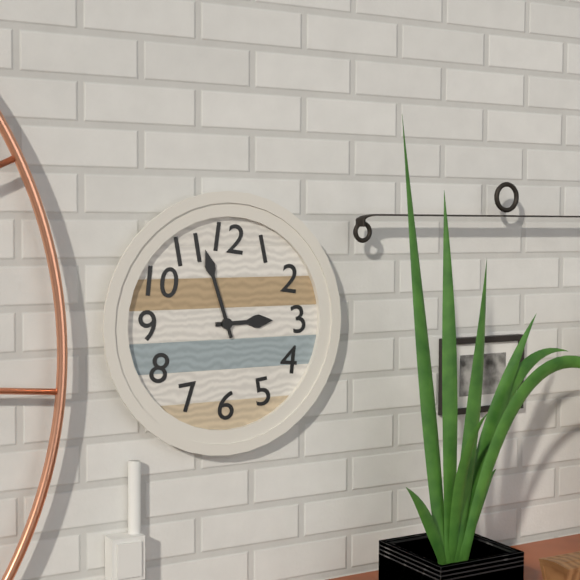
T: **2:57**
